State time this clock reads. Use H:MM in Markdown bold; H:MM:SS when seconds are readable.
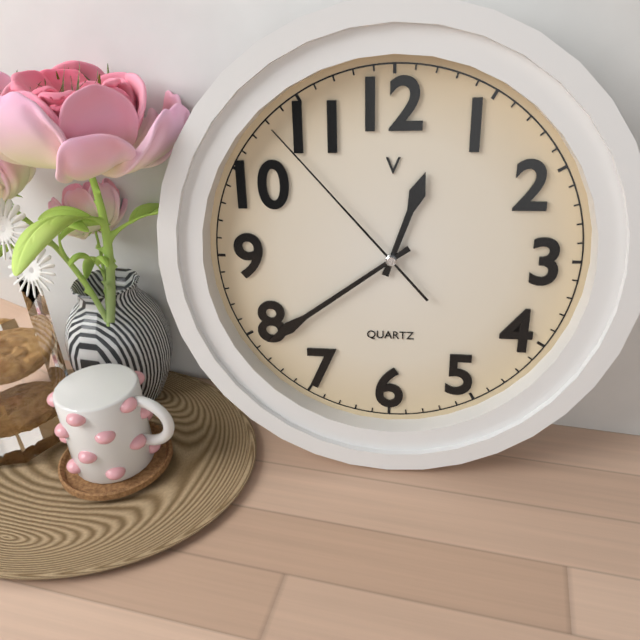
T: **12:39:53**
